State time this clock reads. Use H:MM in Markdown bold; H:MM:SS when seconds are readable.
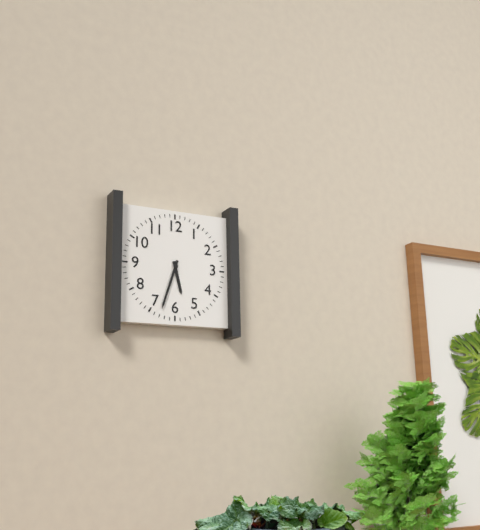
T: **5:33**
